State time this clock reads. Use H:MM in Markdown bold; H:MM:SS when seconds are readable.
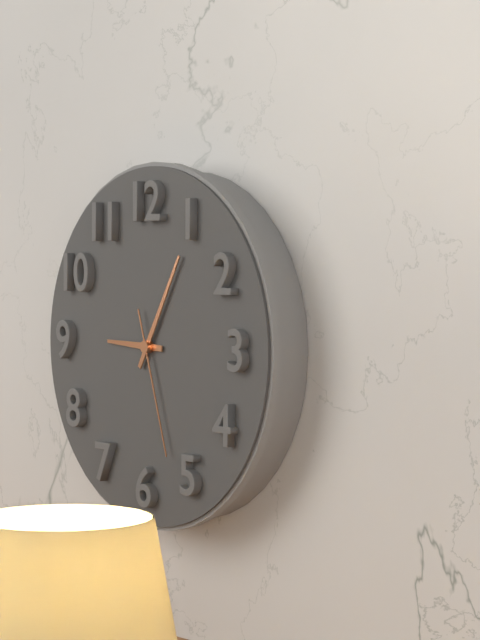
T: **9:05:27**
